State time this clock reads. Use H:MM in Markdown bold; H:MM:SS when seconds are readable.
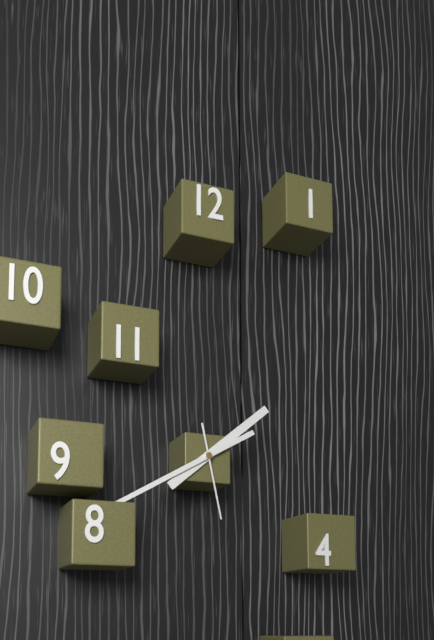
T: **1:40:28**
